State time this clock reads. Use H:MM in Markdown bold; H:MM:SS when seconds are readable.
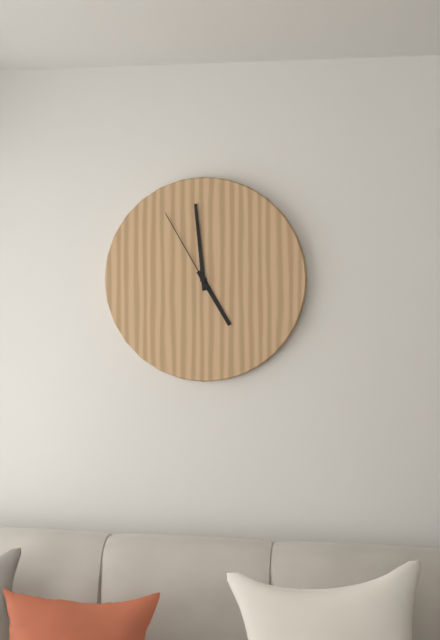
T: **4:59:55**
